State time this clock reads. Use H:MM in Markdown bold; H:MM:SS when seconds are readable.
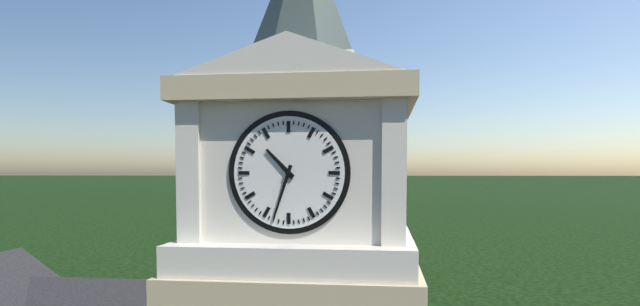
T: **10:33**
